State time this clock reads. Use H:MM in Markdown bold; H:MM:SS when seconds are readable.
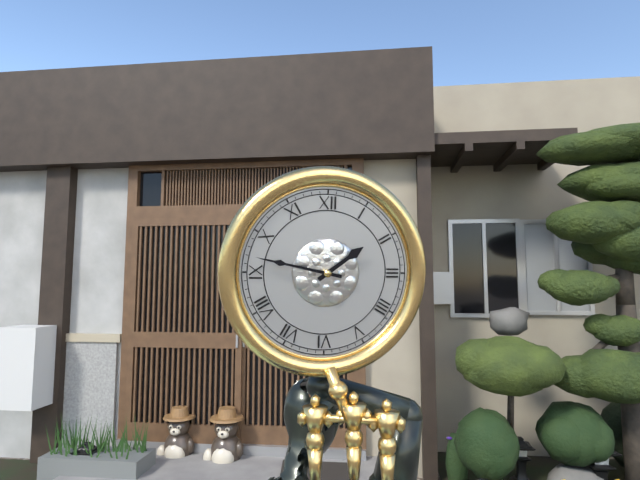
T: **1:47**
